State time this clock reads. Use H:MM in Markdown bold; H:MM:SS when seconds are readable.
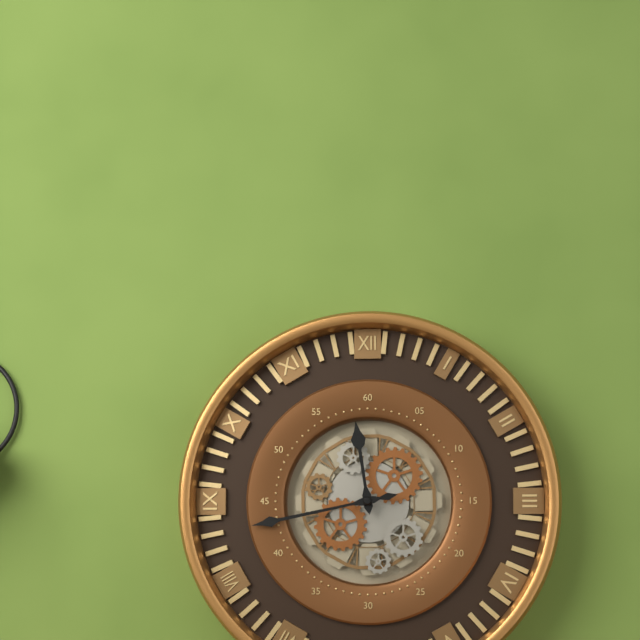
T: **11:43**
